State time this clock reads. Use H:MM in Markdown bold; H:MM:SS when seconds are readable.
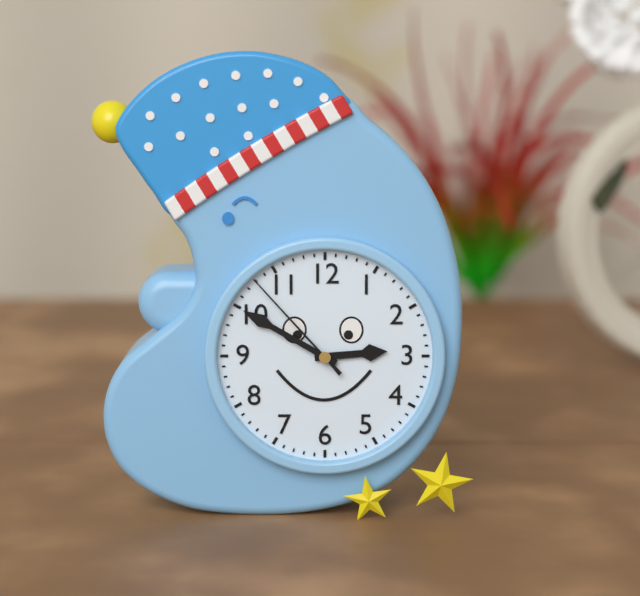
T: **2:50:53**
